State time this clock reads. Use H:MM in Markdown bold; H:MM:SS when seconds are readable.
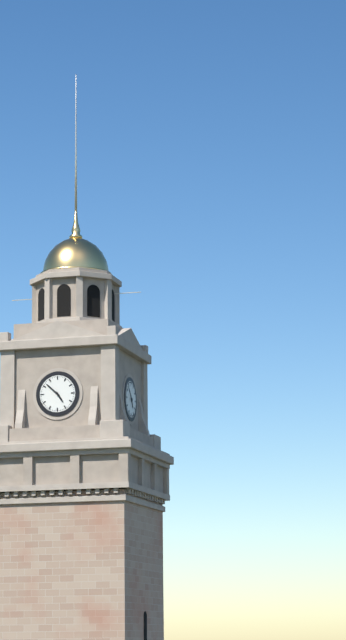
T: **4:52**
